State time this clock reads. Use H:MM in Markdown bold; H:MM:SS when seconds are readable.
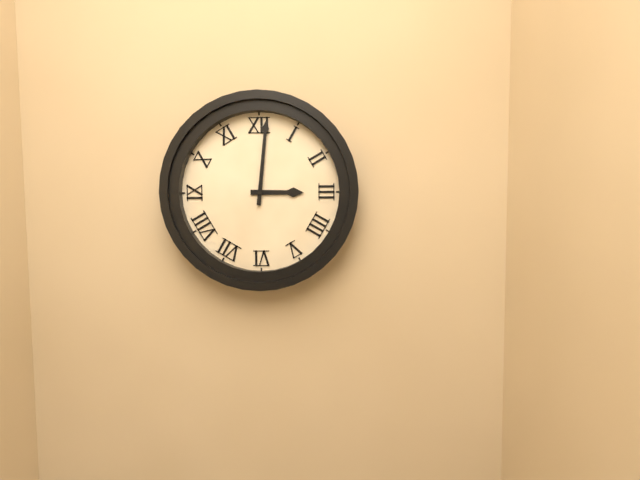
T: **3:01**
